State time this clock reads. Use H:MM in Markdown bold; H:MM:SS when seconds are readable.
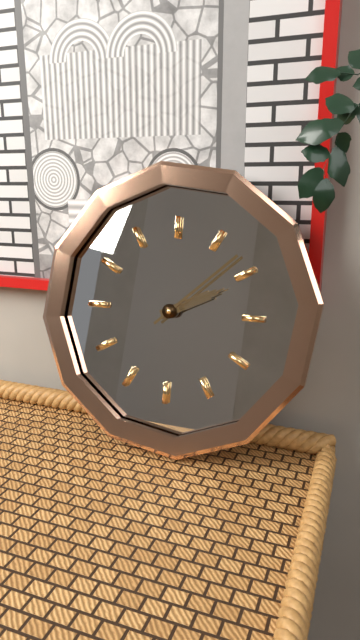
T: **2:08**
